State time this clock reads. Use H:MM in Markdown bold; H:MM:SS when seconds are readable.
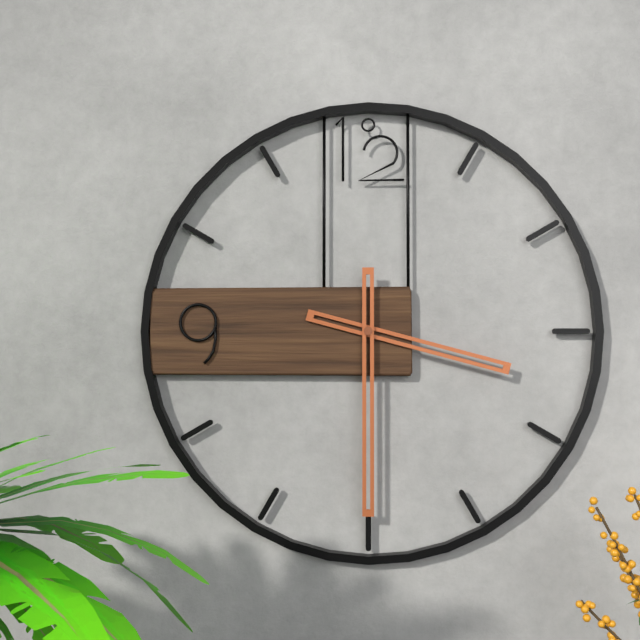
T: **3:30**
